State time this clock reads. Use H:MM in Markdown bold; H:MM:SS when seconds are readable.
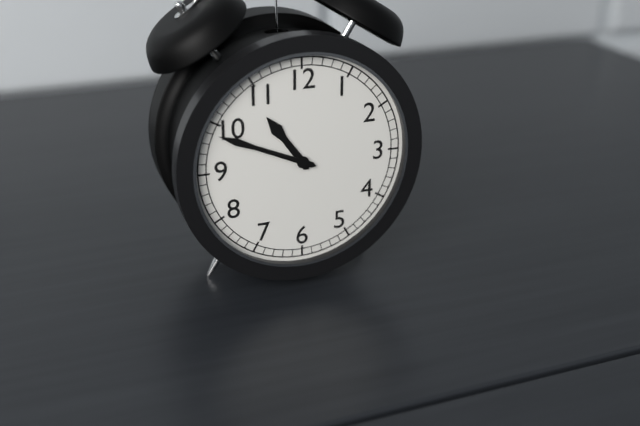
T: **10:49**
